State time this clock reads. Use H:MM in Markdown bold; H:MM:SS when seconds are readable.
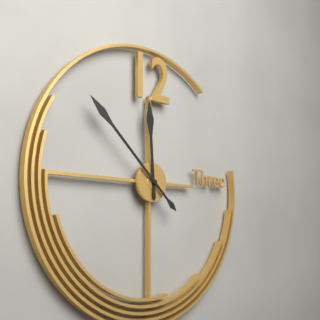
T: **11:52**
